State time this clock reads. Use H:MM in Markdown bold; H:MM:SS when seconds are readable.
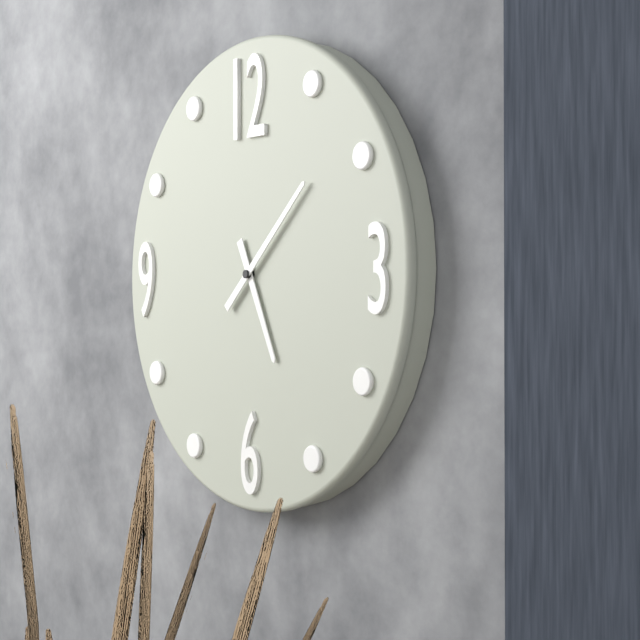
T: **5:08**
